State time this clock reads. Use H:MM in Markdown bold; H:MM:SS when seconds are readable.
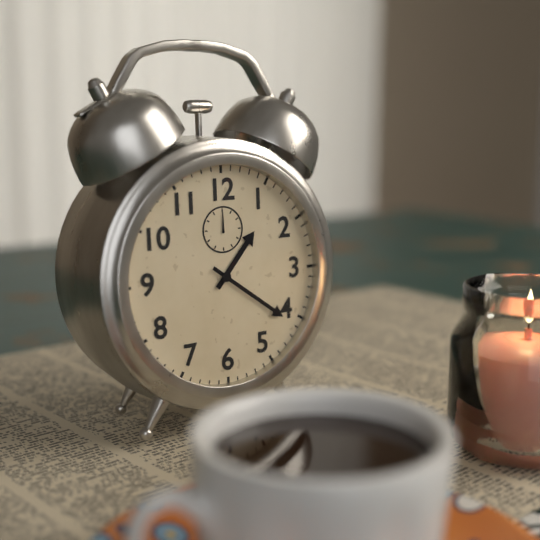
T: **1:21**
